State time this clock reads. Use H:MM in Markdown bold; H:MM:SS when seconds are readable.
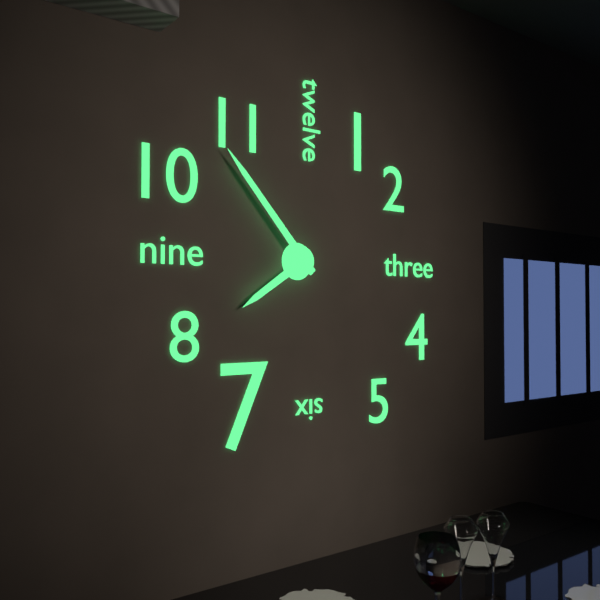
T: **7:53**
